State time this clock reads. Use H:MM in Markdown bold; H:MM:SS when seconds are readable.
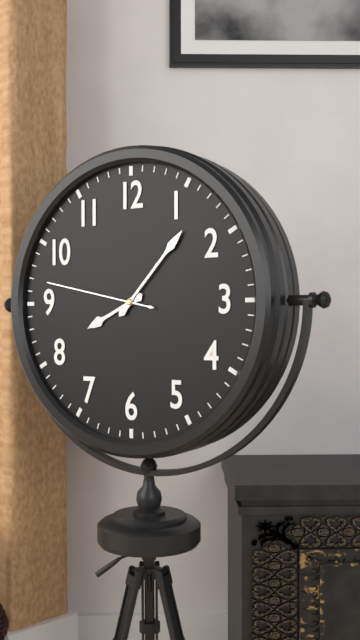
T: **8:07:47**
